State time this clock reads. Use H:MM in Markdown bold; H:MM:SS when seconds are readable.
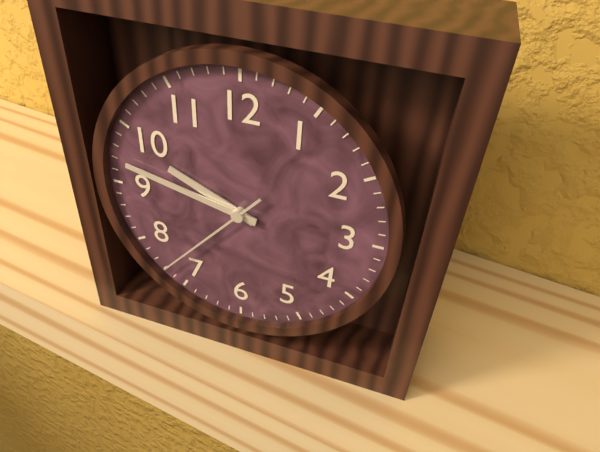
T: **9:47:37**
